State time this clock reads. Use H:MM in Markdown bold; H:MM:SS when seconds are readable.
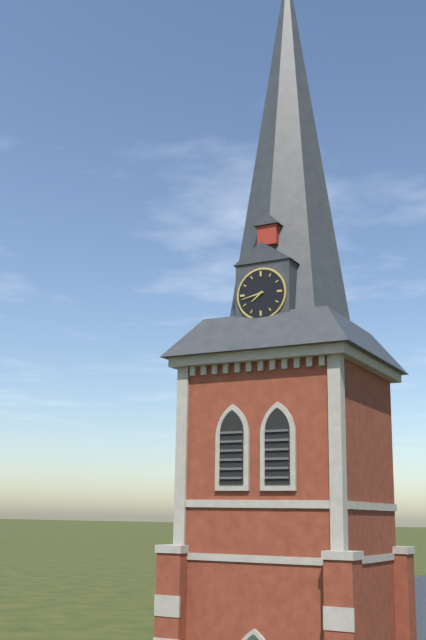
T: **7:43**
